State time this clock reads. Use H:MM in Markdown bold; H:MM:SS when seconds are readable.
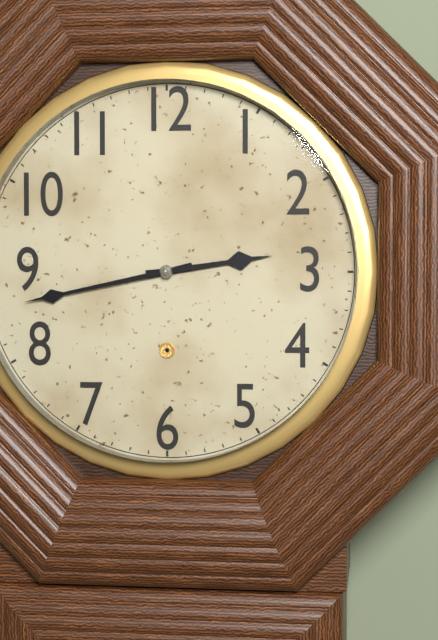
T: **2:43**
